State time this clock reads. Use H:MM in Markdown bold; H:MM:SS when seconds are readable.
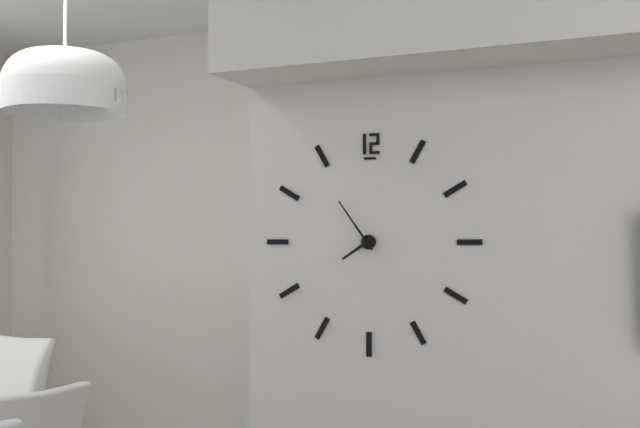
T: **7:54**
